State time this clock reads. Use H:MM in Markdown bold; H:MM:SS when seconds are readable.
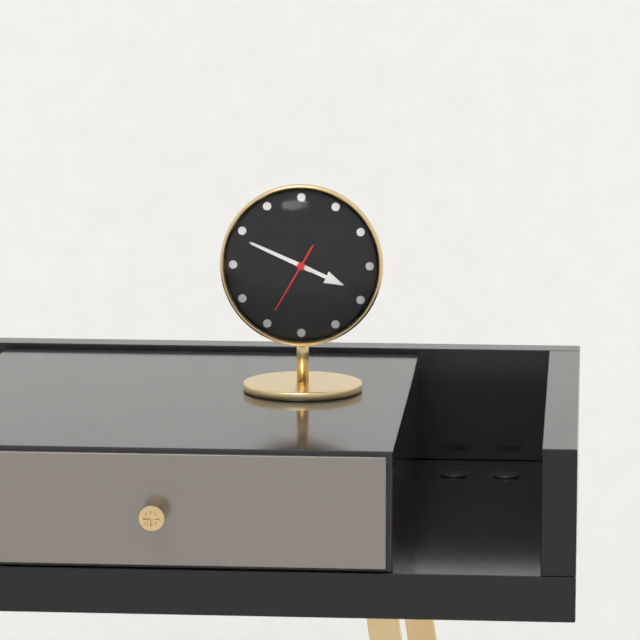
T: **3:49:35**
